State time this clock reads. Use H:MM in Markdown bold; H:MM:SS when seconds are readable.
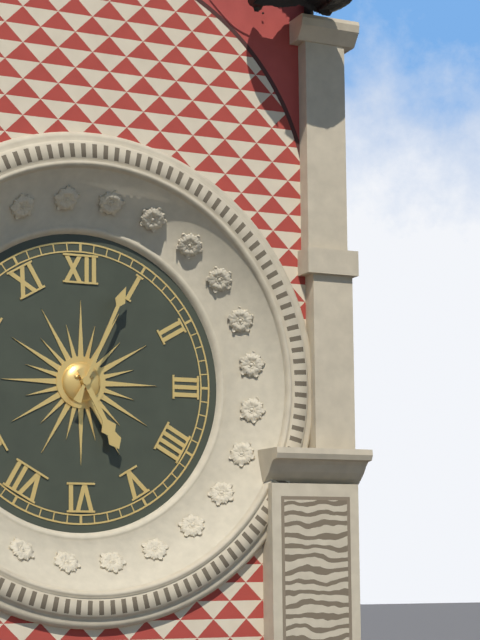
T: **5:04**
